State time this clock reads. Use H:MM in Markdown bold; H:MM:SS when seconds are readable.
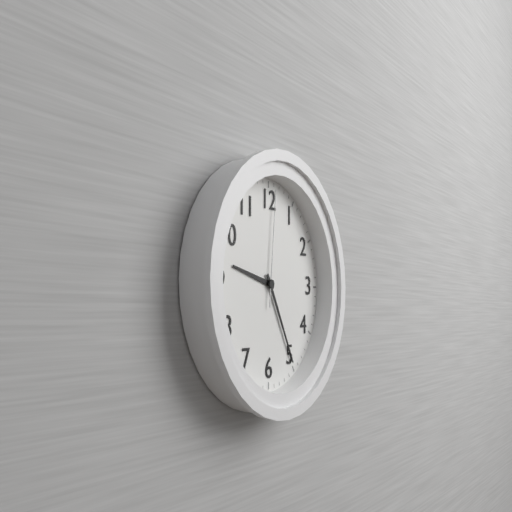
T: **9:25:01**
